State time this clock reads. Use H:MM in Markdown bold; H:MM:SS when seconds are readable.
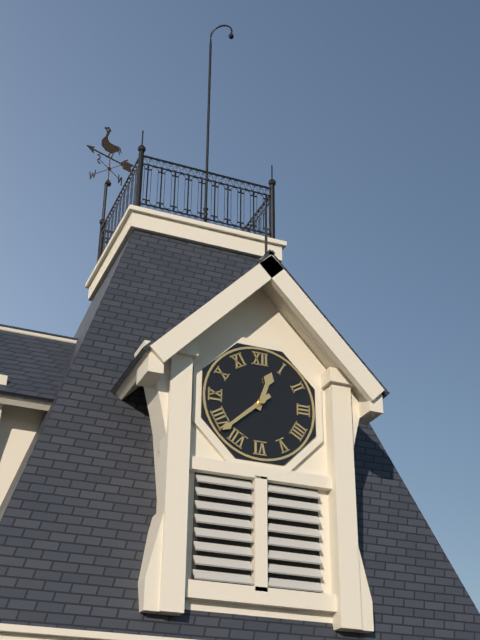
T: **12:38**
